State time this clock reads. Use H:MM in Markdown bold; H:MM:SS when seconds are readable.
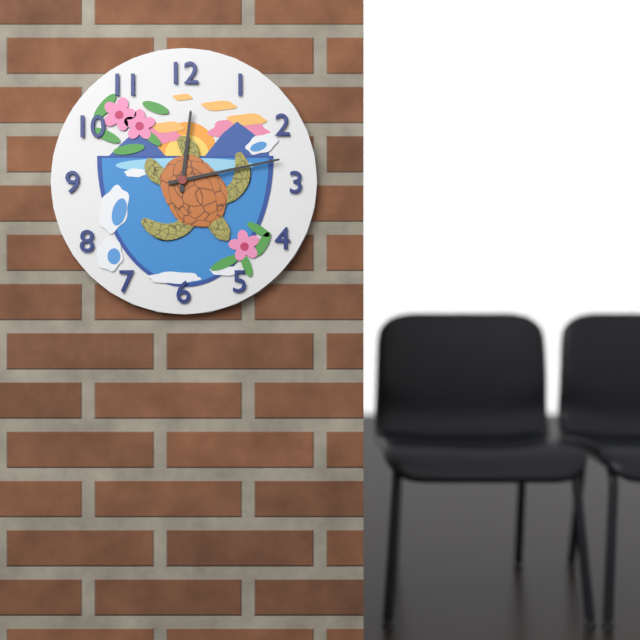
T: **12:13**
